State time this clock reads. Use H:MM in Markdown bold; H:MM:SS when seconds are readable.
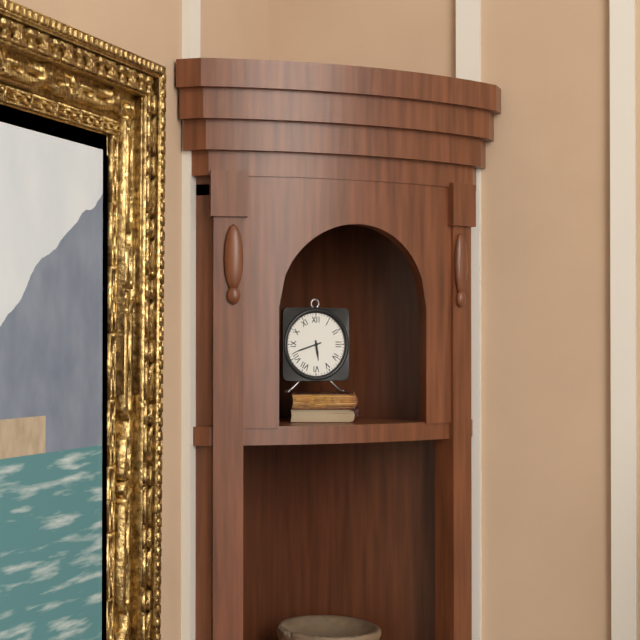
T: **5:42**
